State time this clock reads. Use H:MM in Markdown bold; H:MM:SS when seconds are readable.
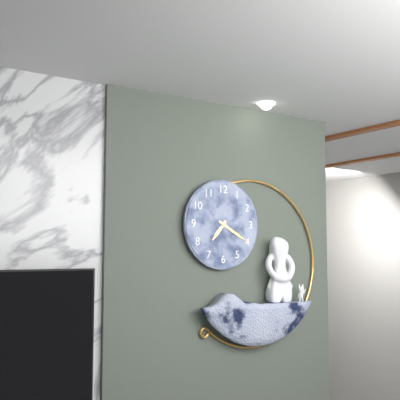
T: **7:20**
